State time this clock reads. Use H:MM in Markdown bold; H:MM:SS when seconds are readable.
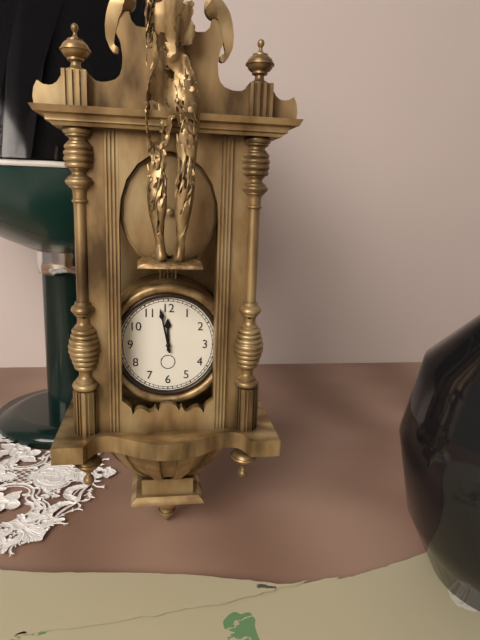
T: **11:58**
